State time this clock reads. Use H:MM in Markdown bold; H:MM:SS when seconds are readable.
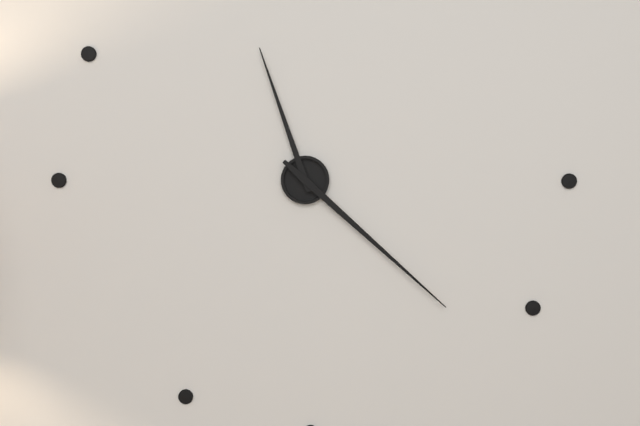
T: **11:22**
